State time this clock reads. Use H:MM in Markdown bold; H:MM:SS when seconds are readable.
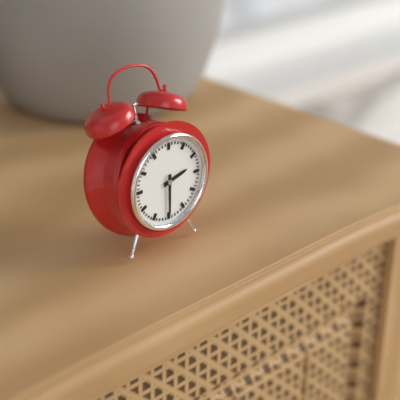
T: **2:30**
